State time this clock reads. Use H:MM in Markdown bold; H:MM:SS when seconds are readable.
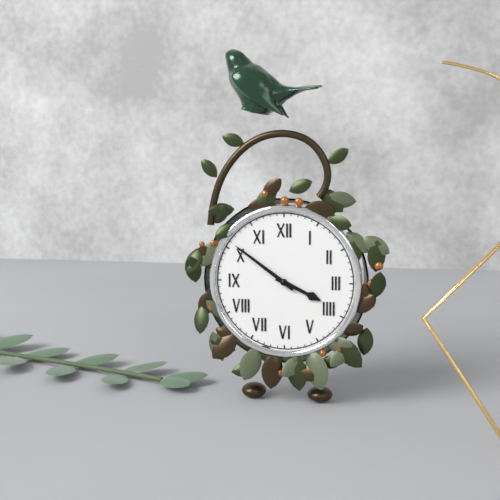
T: **3:51**
